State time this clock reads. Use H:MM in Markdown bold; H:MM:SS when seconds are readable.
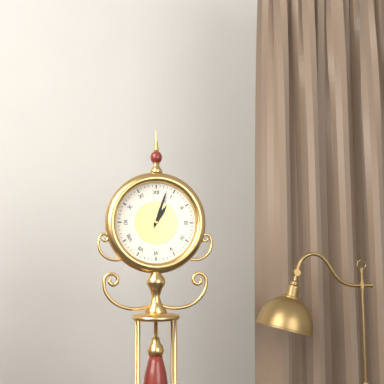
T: **1:03**
